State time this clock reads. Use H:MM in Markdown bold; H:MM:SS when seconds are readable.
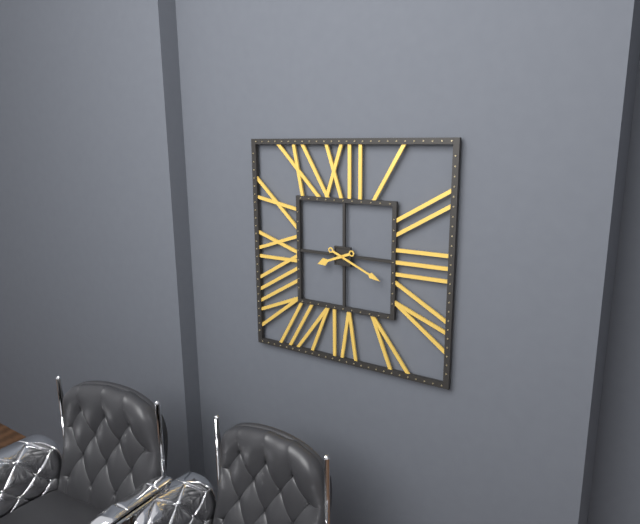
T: **8:19**
